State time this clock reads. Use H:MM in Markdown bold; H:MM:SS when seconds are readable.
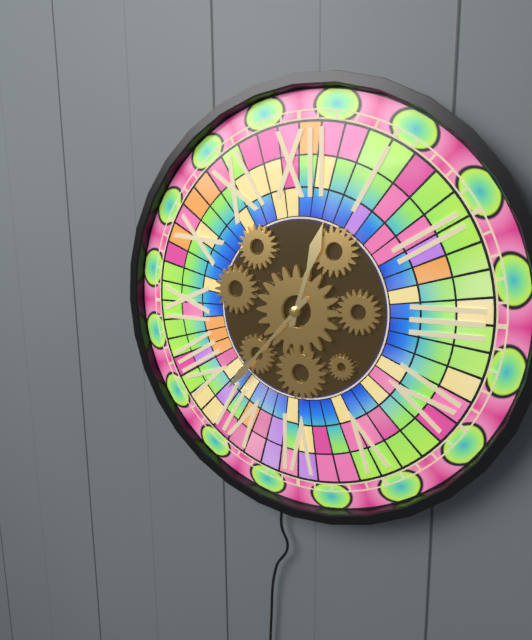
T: **12:37**
